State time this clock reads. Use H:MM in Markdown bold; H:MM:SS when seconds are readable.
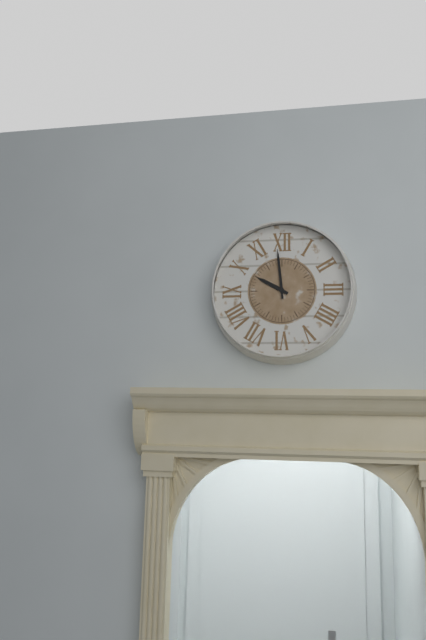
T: **9:59**
